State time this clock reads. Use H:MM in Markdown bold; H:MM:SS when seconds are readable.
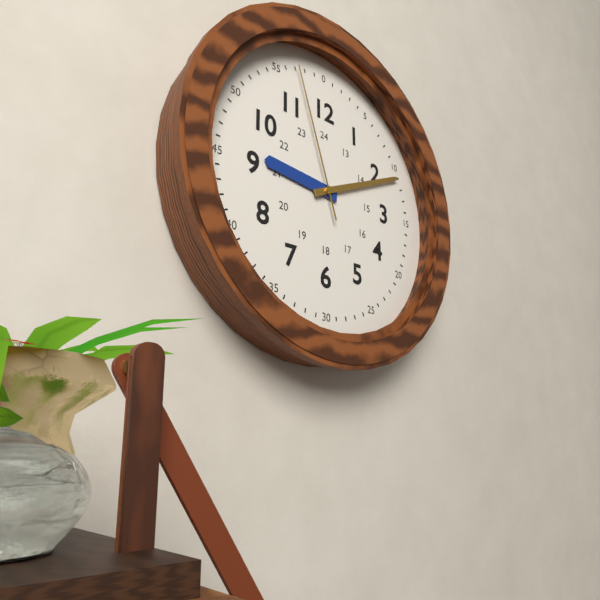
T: **9:11:57**
